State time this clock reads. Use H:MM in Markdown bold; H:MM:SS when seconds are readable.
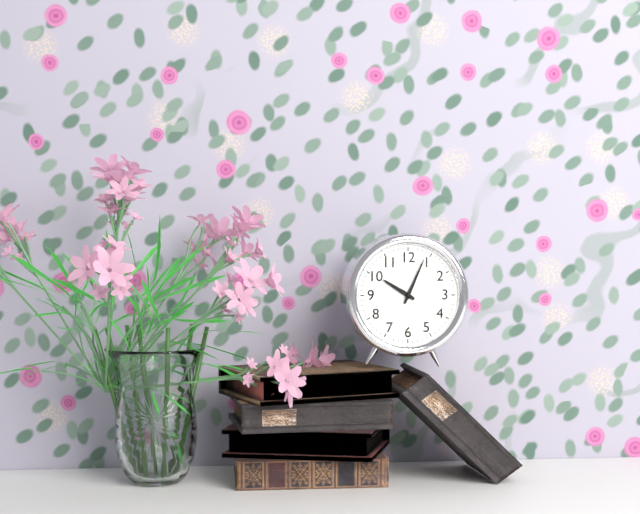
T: **10:04**
